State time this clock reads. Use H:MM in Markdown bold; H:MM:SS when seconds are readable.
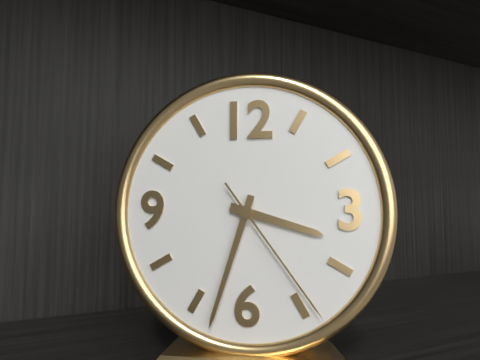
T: **3:33:24**
